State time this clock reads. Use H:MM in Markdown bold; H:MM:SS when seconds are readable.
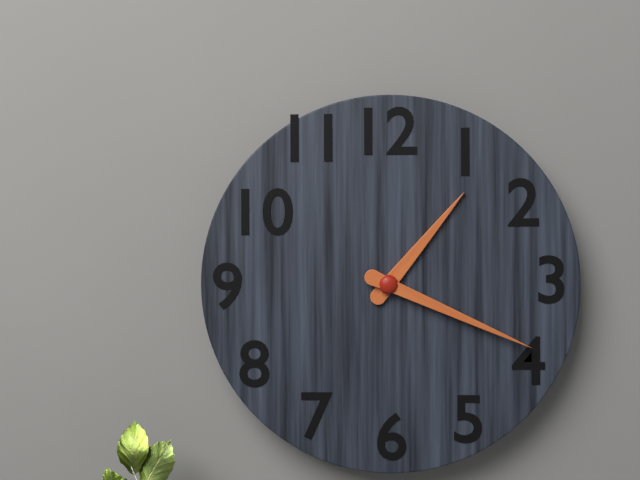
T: **1:19**
